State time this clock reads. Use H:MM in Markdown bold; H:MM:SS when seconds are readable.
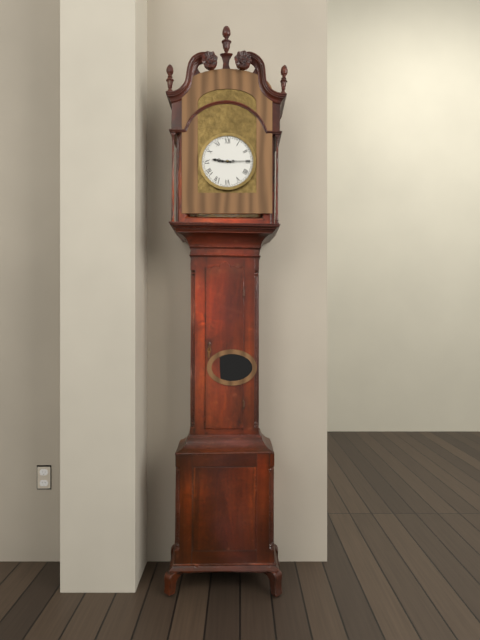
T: **9:15**
